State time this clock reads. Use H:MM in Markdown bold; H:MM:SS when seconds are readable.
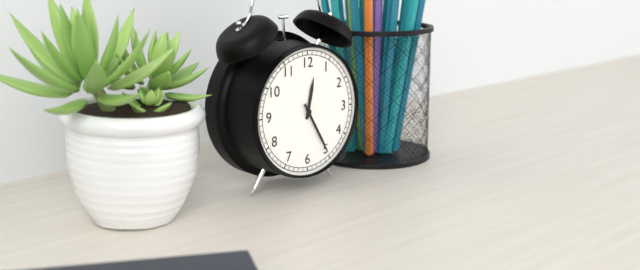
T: **12:25**
